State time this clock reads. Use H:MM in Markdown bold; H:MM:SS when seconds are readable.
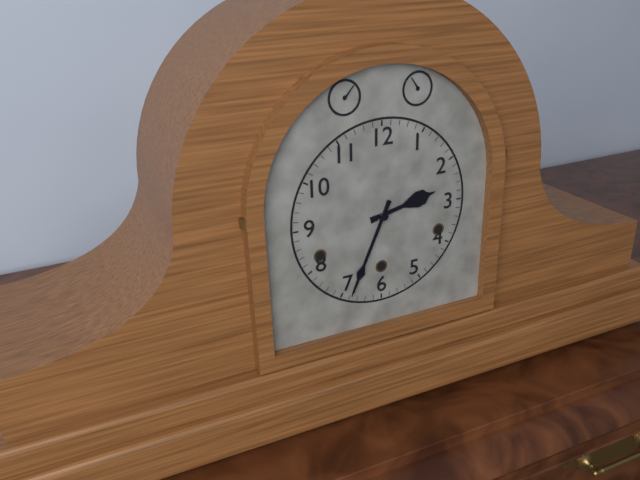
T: **2:34**
